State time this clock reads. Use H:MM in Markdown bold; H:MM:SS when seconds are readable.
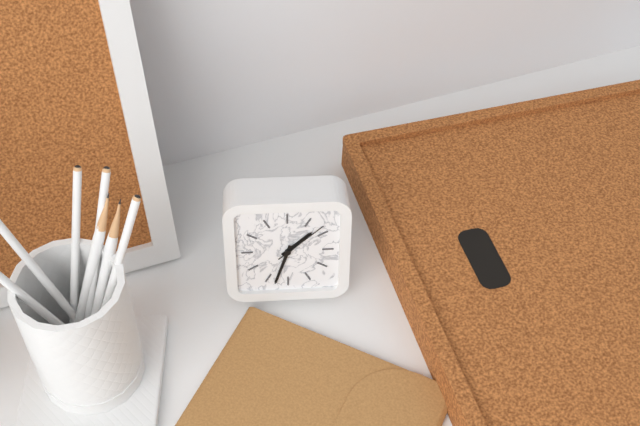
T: **1:33:08**
